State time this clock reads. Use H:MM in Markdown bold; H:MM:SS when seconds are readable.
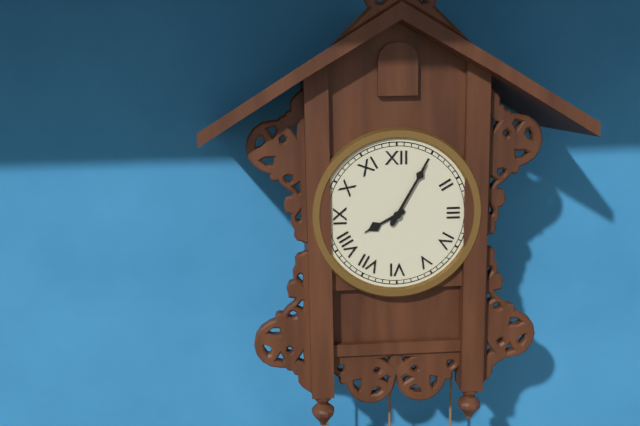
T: **8:05**
